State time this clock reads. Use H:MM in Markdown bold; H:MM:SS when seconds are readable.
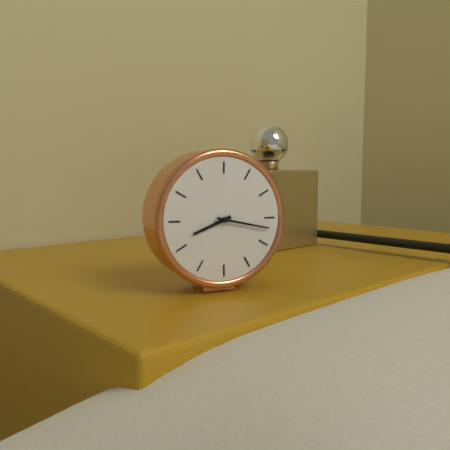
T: **8:17**
